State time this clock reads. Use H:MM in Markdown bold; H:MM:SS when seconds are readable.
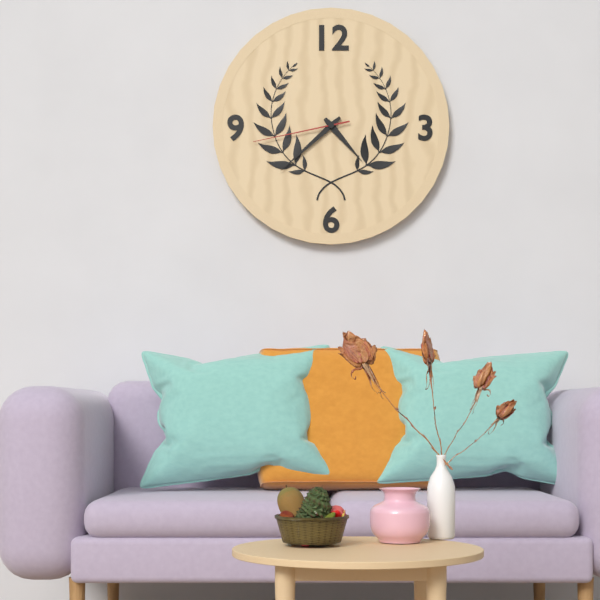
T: **4:38:43**
